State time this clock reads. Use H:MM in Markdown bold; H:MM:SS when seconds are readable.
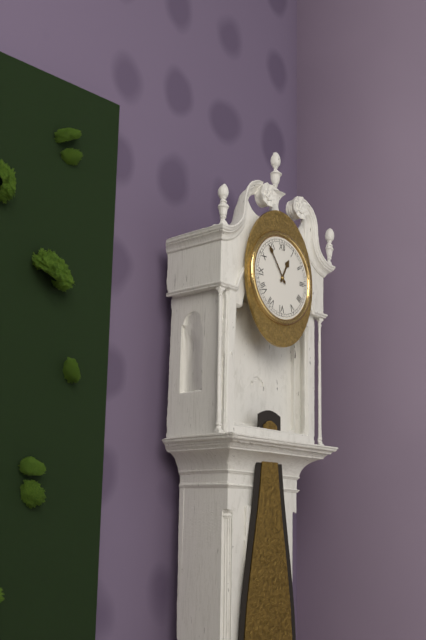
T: **12:54**
